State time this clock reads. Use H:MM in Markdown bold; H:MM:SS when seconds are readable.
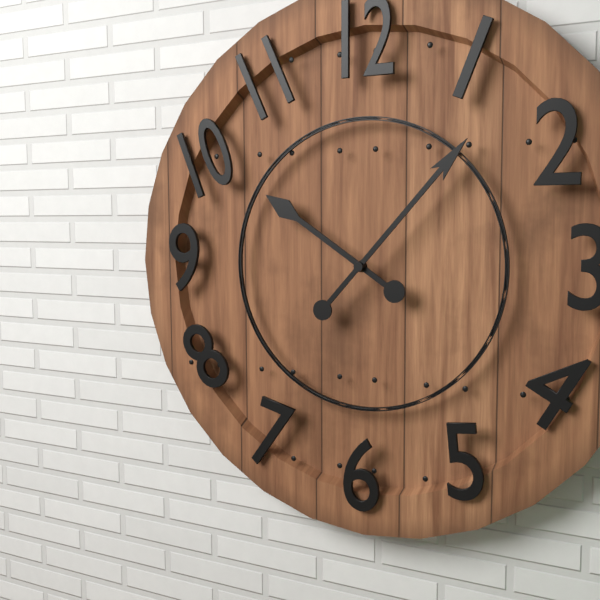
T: **10:07**
